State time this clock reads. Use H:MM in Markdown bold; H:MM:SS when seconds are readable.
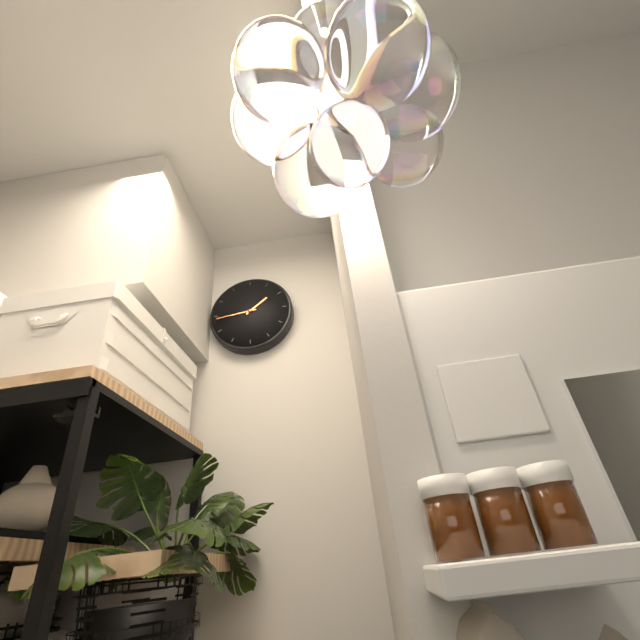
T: **1:44**
